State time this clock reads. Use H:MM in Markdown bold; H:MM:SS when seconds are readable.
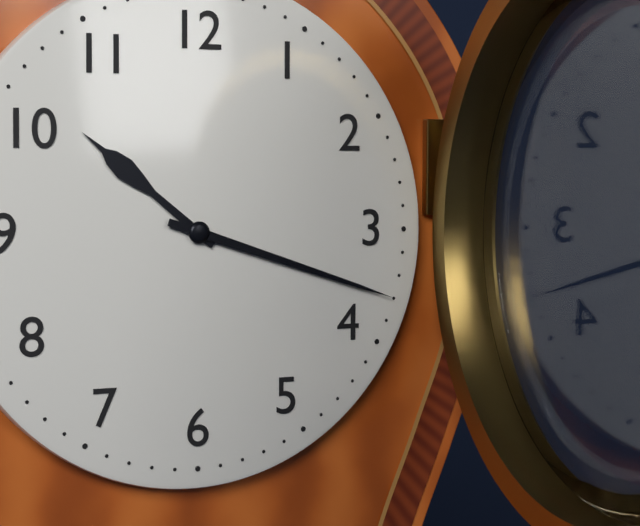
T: **10:18**
